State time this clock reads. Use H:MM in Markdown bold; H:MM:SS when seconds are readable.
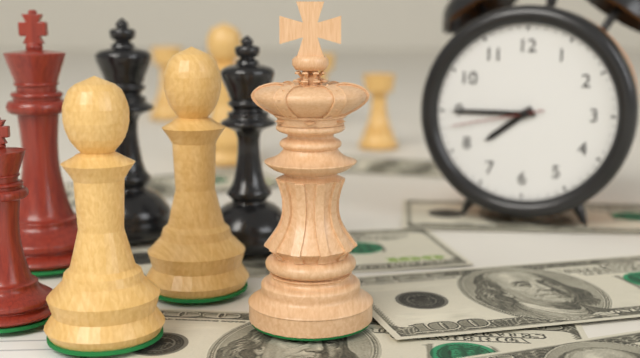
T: **7:45:43**
